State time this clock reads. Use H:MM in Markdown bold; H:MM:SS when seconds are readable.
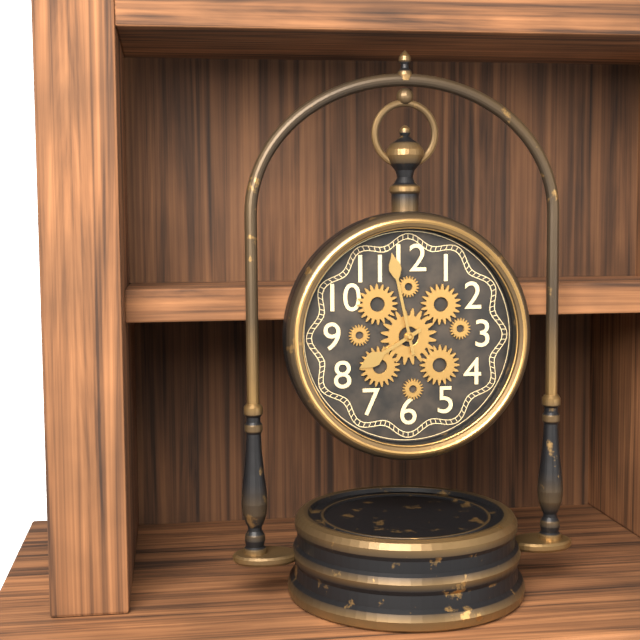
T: **7:58**
